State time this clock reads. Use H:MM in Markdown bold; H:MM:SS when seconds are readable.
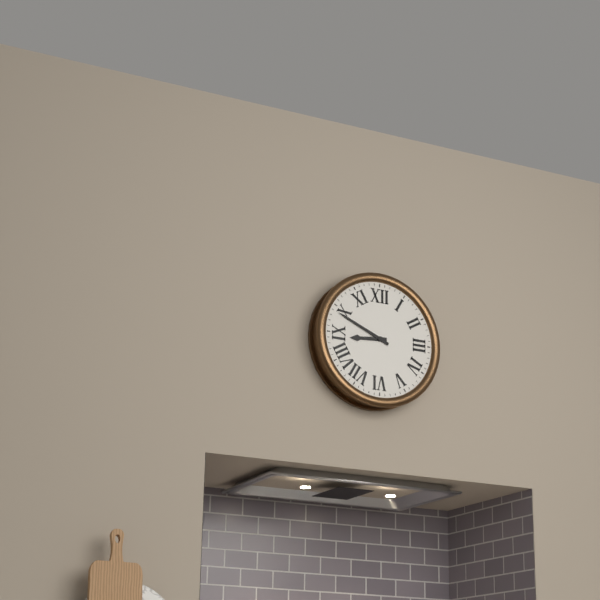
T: **8:49**
